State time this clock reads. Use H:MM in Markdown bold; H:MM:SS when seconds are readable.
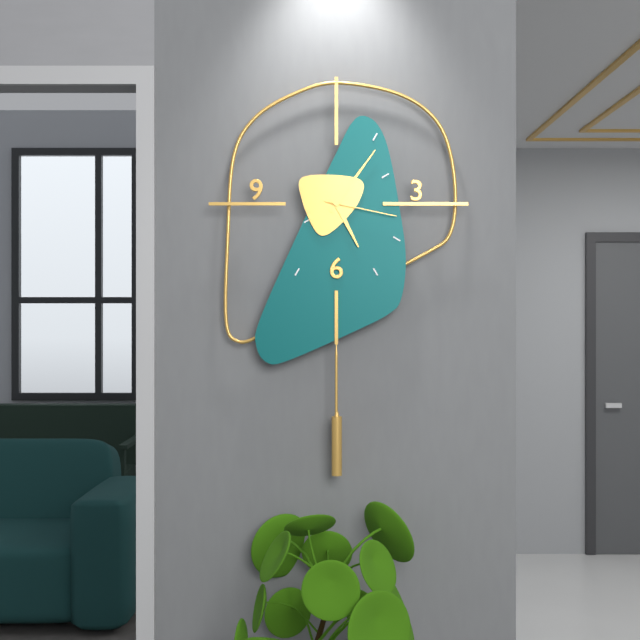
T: **5:06:17**
